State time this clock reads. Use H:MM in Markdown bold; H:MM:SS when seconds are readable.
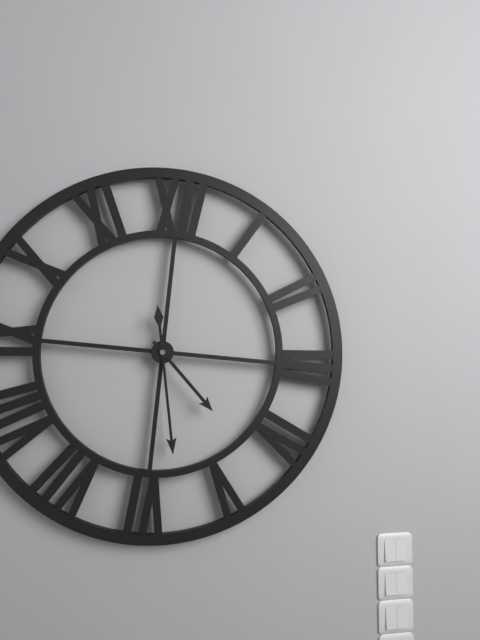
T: **4:28**
